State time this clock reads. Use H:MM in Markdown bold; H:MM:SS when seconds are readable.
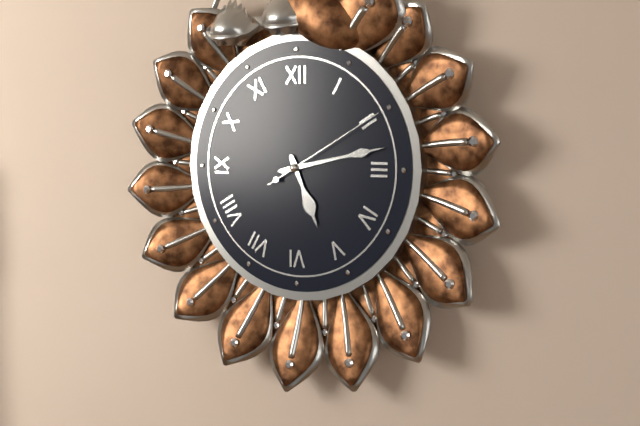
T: **5:13:10**
